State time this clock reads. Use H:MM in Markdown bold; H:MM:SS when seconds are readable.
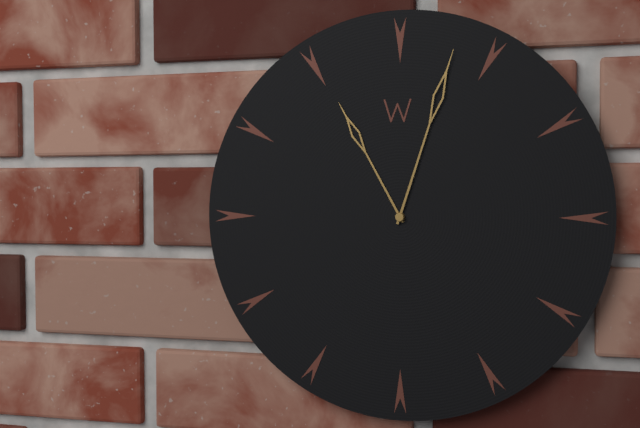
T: **11:03**
